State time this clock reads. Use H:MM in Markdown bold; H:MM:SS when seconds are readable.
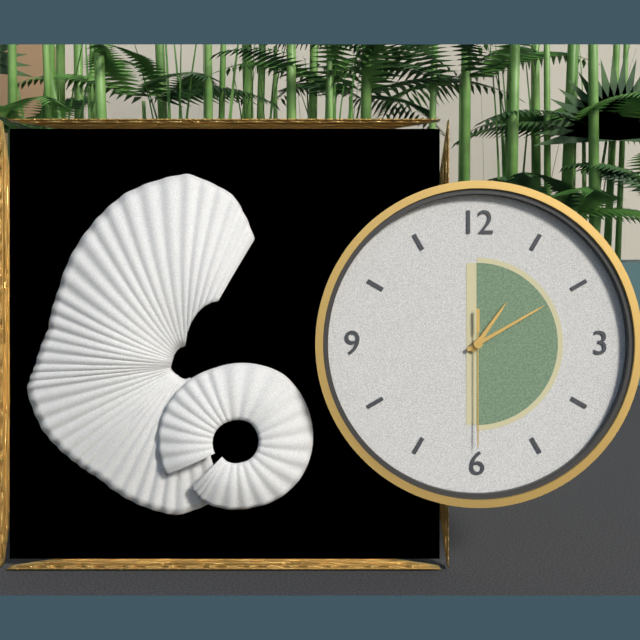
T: **1:10:30**
